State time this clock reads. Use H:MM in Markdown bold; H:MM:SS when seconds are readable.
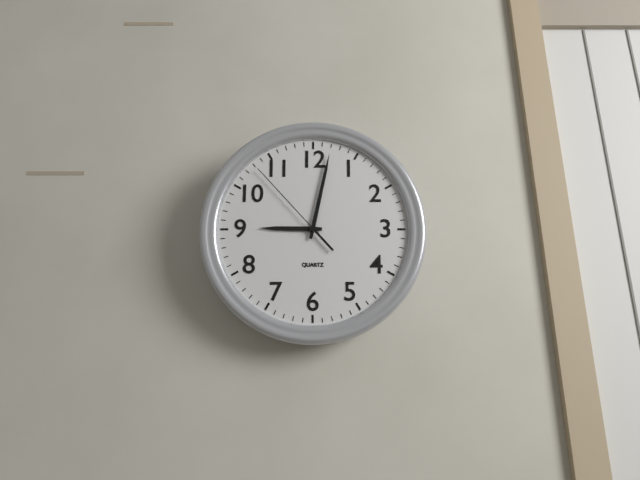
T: **9:02:53**
